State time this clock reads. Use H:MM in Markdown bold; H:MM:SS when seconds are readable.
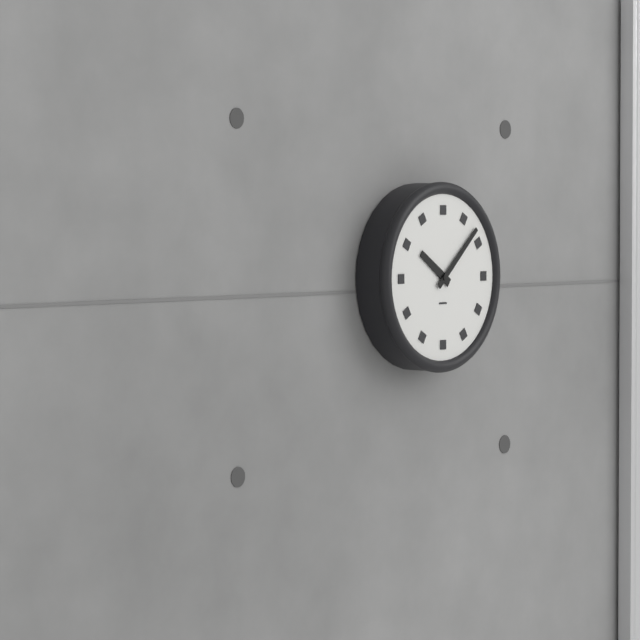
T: **10:08**
